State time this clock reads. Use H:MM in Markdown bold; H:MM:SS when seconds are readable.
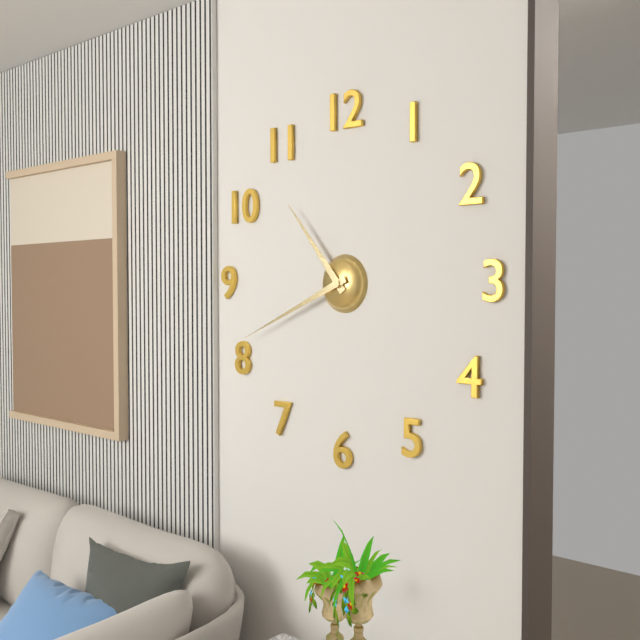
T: **10:41**
